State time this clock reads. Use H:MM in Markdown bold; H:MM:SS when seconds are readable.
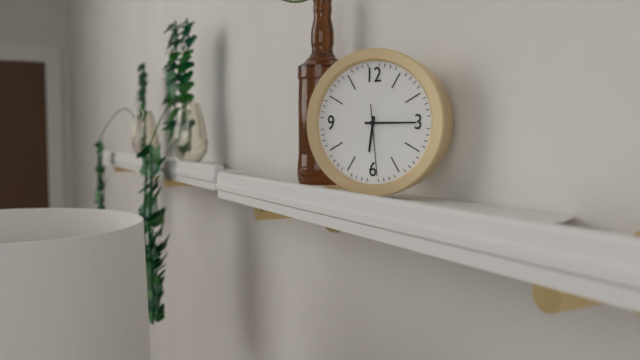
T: **6:15:29**
